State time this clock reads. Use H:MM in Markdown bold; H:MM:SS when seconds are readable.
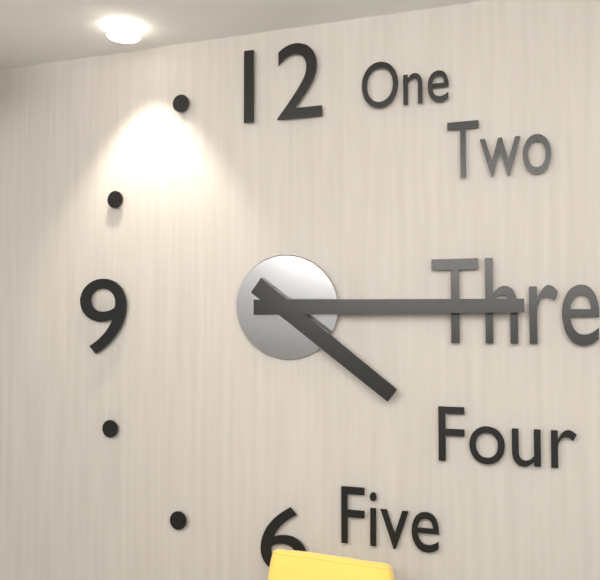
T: **4:15**
